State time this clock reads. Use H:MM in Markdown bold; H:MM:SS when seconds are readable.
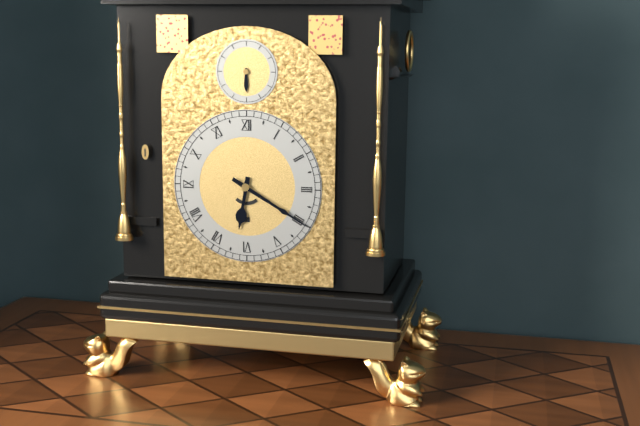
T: **6:20**
